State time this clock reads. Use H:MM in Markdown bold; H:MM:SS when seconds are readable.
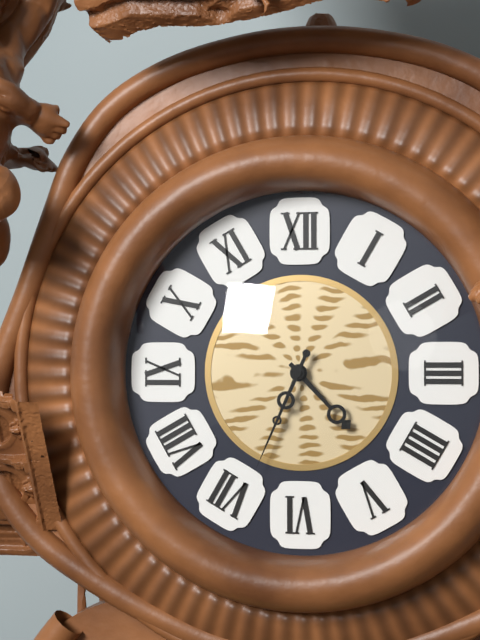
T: **4:34**
